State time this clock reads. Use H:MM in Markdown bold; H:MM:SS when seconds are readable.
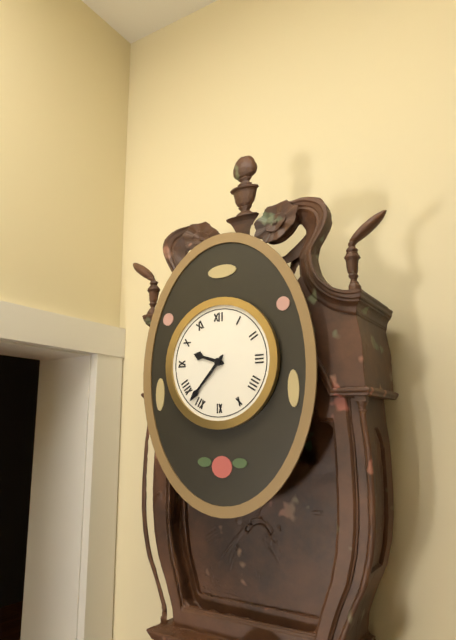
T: **9:37**
